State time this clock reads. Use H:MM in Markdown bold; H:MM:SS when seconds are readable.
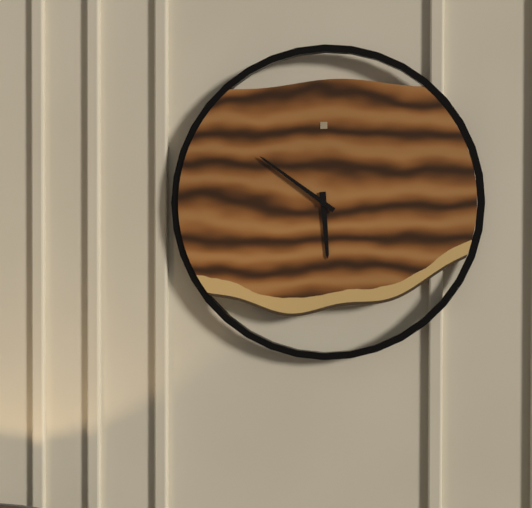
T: **5:51**
